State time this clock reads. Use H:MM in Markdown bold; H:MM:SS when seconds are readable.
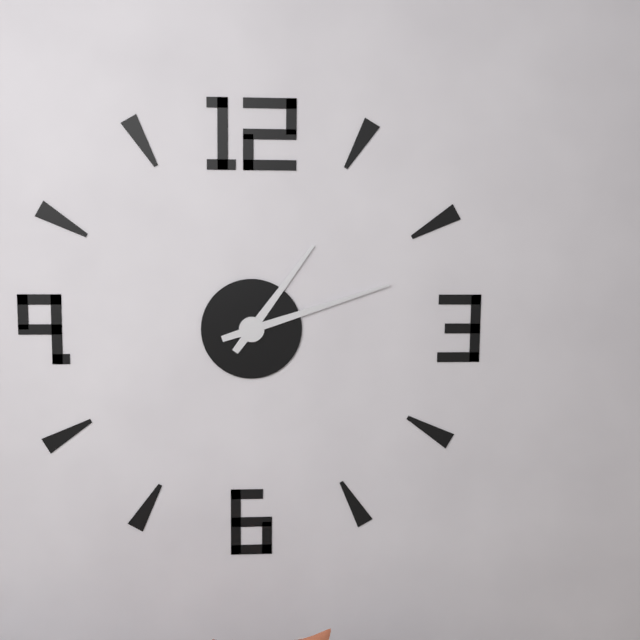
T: **1:12**
